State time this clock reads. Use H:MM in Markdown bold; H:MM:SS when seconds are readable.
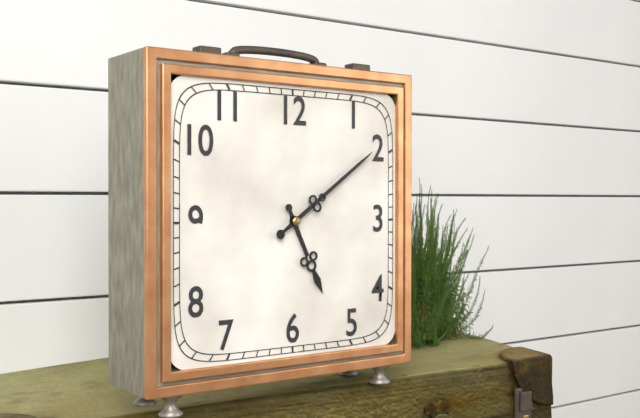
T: **5:09**
